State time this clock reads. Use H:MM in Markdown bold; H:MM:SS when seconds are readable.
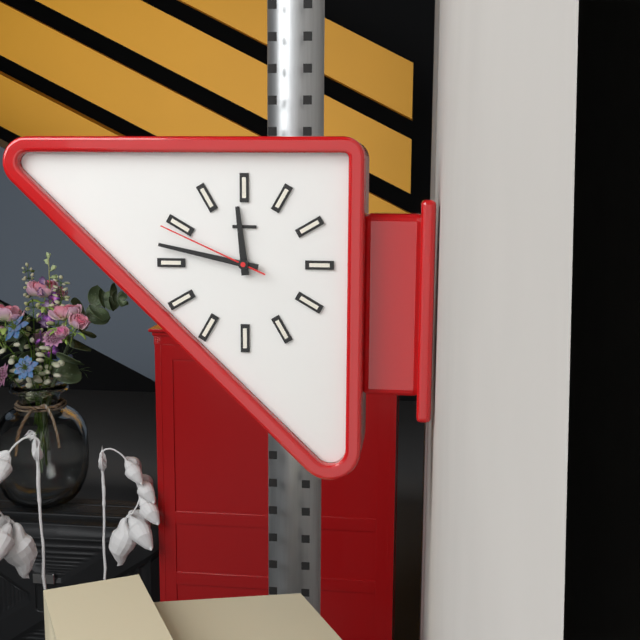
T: **11:47:49**
